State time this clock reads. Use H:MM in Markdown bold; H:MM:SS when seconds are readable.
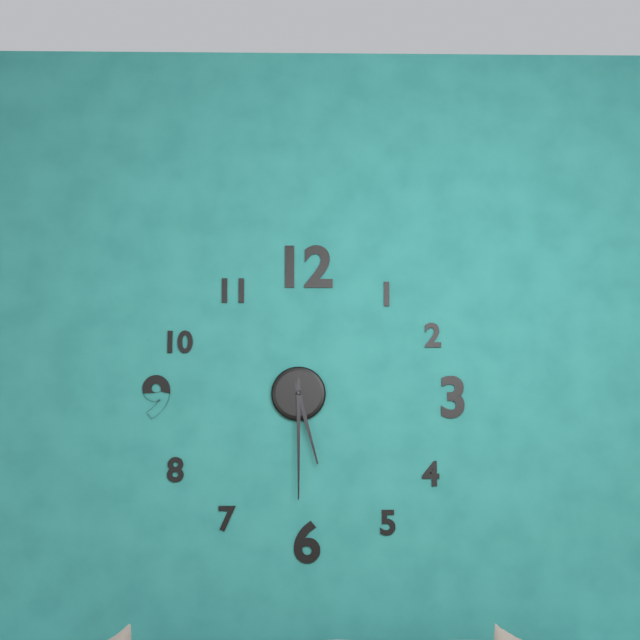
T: **5:30**
